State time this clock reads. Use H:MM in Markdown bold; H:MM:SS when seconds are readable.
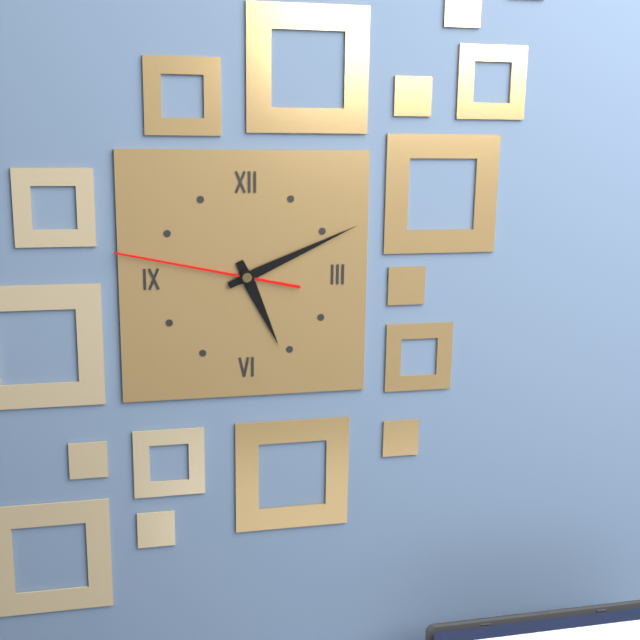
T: **5:11:47**
